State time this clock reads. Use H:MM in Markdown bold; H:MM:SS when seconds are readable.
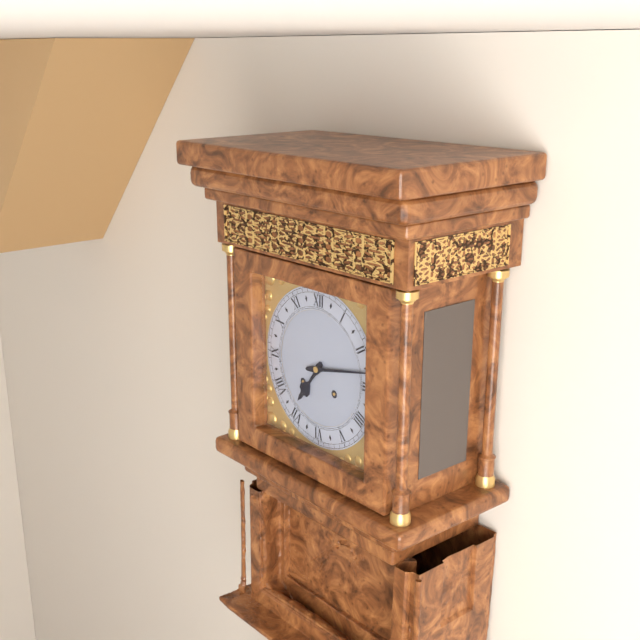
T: **7:13**
